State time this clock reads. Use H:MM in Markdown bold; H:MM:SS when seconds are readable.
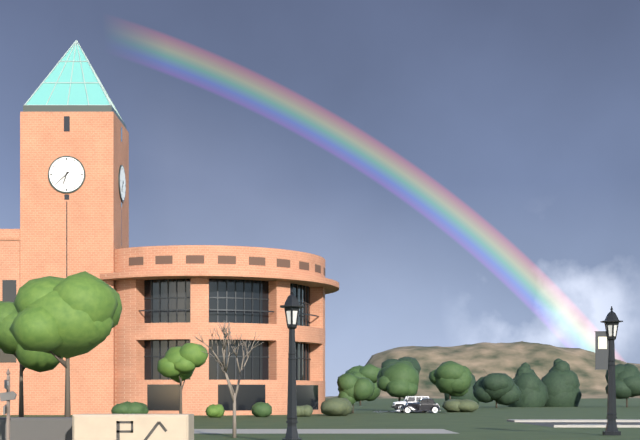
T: **6:38**
